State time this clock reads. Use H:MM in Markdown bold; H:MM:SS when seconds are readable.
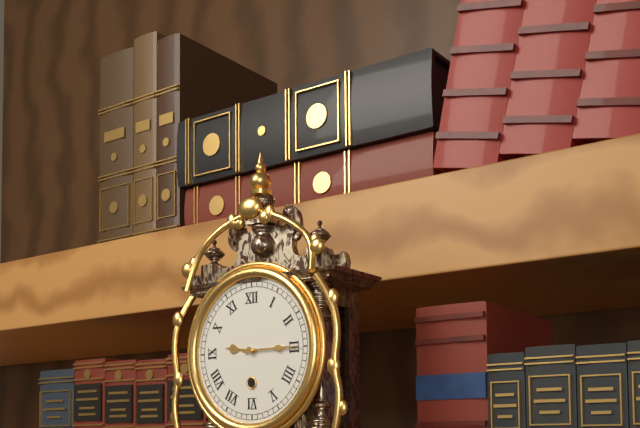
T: **9:15**
